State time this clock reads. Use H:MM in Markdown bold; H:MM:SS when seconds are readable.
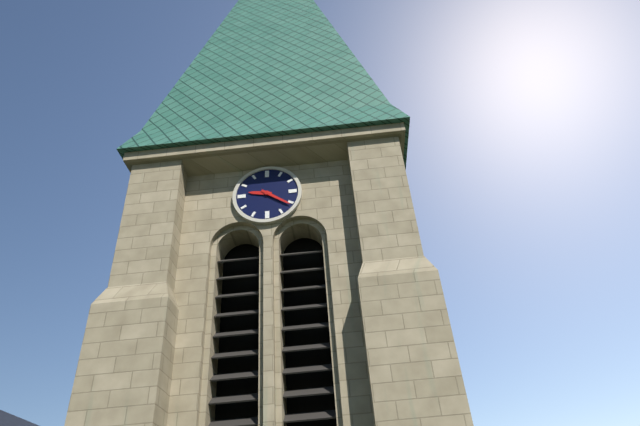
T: **9:21**
